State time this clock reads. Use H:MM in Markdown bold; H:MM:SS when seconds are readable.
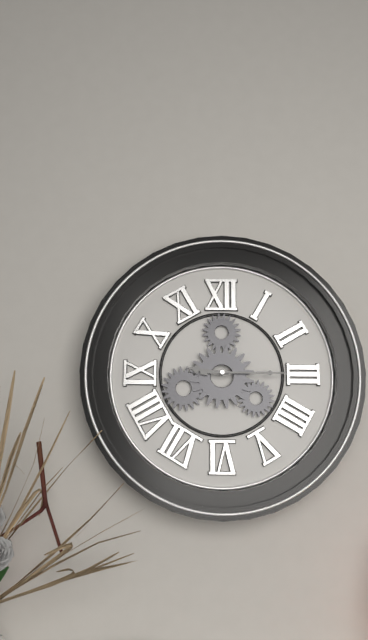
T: **9:15**
